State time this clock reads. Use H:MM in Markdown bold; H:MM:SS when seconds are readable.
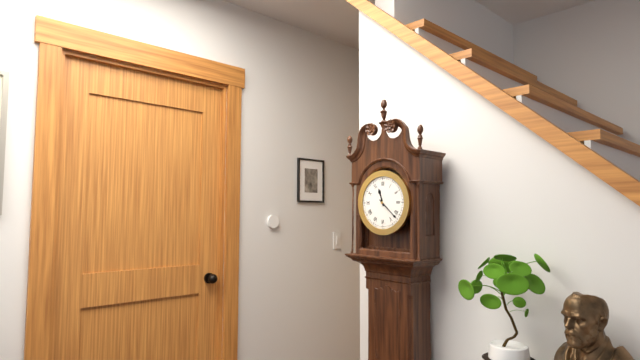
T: **11:22**
